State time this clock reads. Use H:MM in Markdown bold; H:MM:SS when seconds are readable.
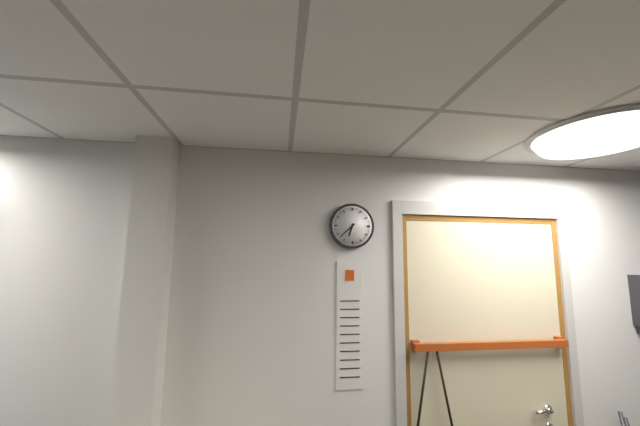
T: **6:38**
